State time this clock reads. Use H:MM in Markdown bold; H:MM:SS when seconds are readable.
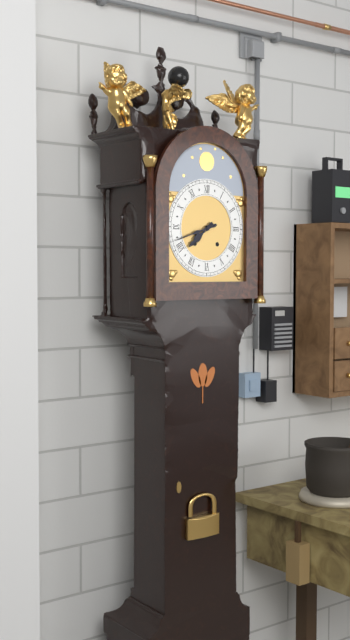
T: **7:42**
